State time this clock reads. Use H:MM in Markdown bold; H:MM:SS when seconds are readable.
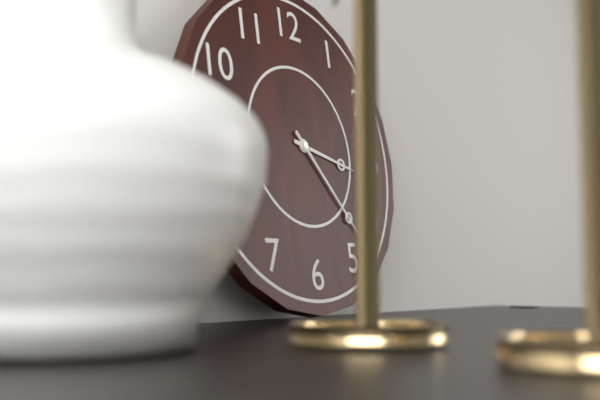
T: **3:23**
